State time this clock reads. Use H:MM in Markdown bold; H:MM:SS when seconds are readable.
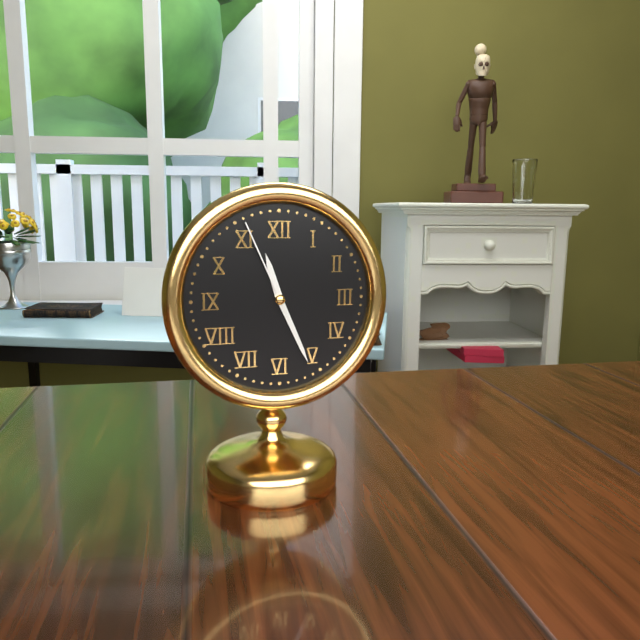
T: **11:26:56**
